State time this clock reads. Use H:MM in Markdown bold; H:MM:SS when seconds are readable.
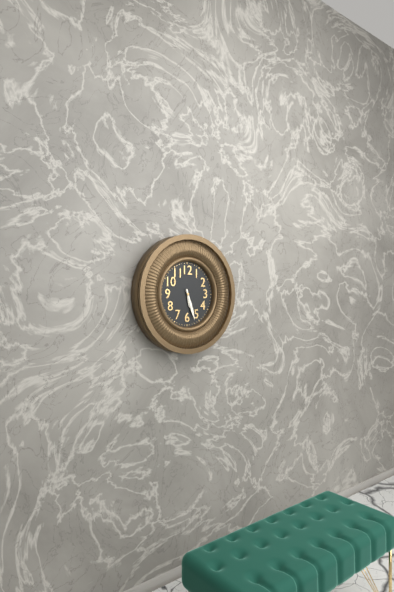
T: **5:27**
